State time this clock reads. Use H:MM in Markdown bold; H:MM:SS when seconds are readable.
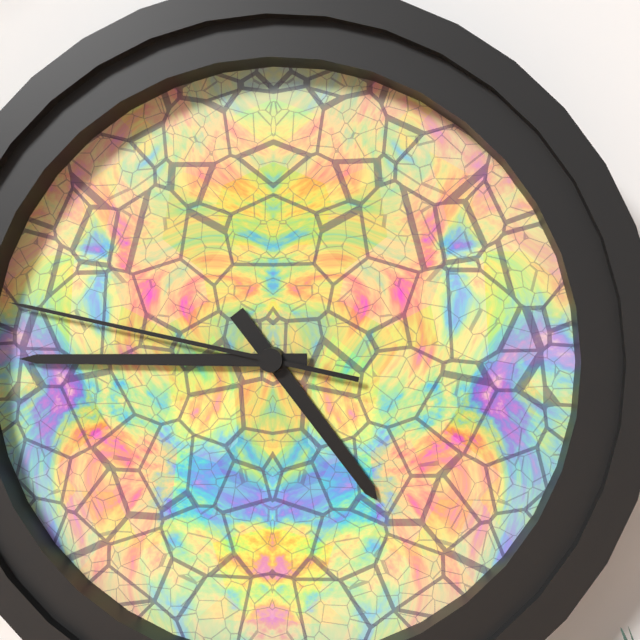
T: **4:45:47**
